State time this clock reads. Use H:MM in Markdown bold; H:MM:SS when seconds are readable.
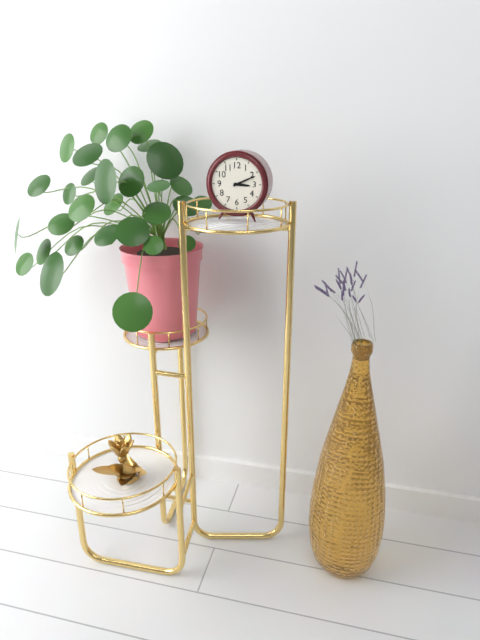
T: **3:11**
